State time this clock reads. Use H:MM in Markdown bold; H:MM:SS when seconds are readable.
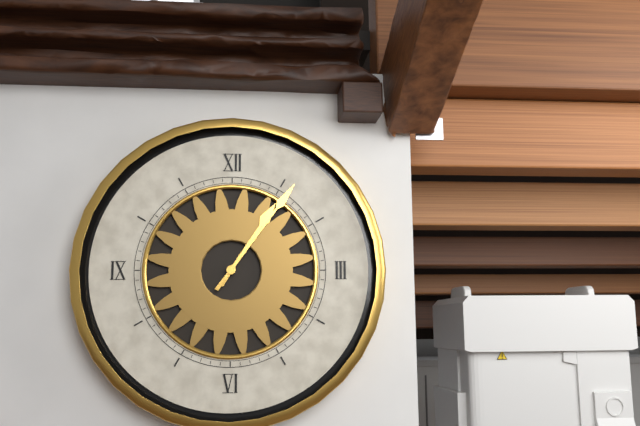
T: **1:06**
